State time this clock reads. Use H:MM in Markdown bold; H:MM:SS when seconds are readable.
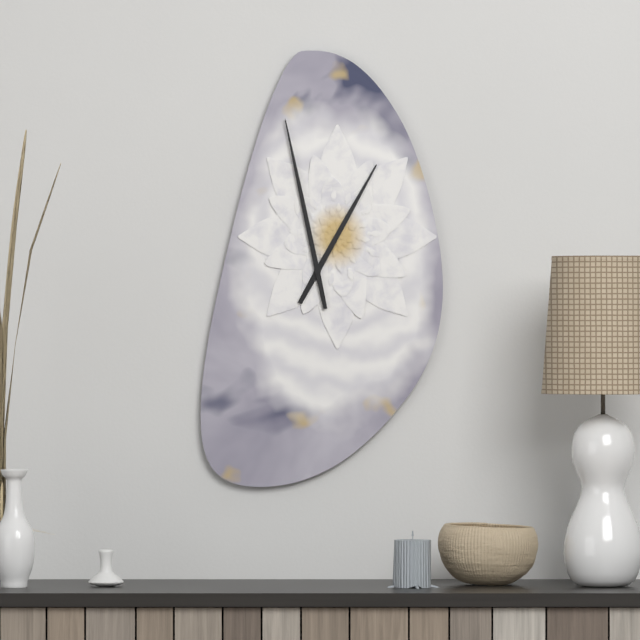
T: **12:58**
